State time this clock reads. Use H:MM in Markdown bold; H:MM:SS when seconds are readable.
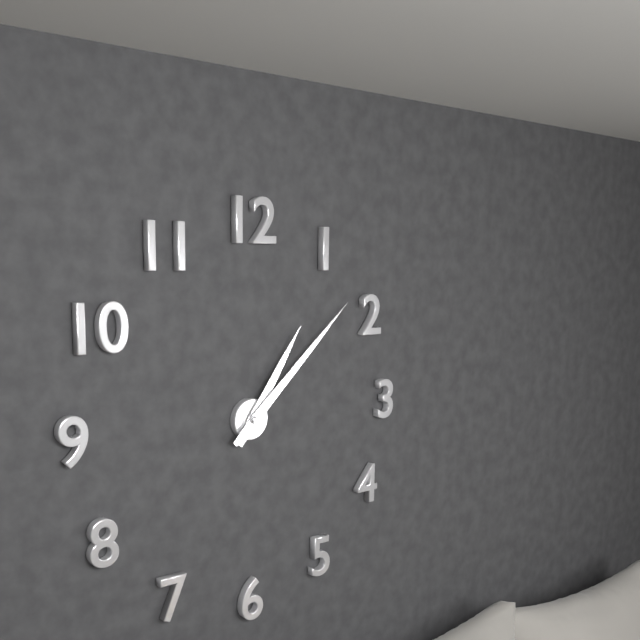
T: **1:08**
